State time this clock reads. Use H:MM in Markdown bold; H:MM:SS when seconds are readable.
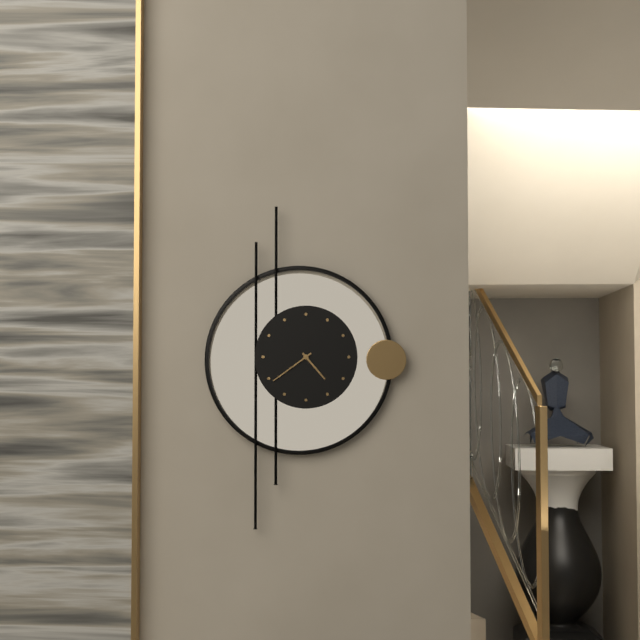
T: **4:39**
